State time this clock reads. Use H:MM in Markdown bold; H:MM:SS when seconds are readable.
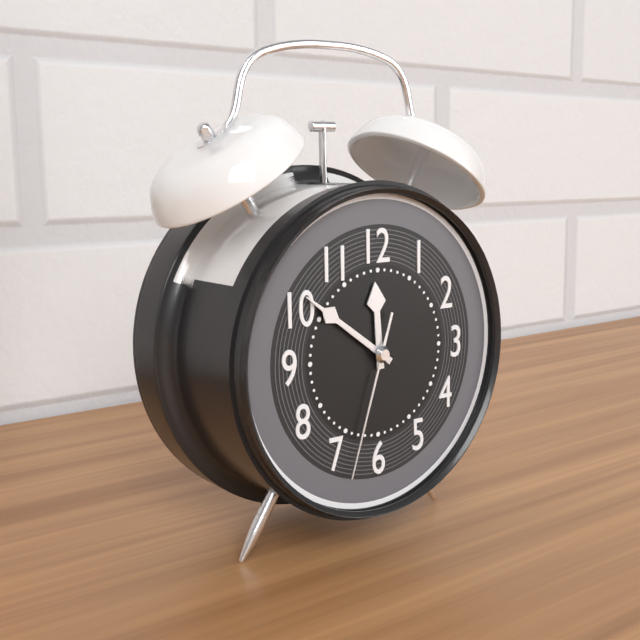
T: **11:51:33**
